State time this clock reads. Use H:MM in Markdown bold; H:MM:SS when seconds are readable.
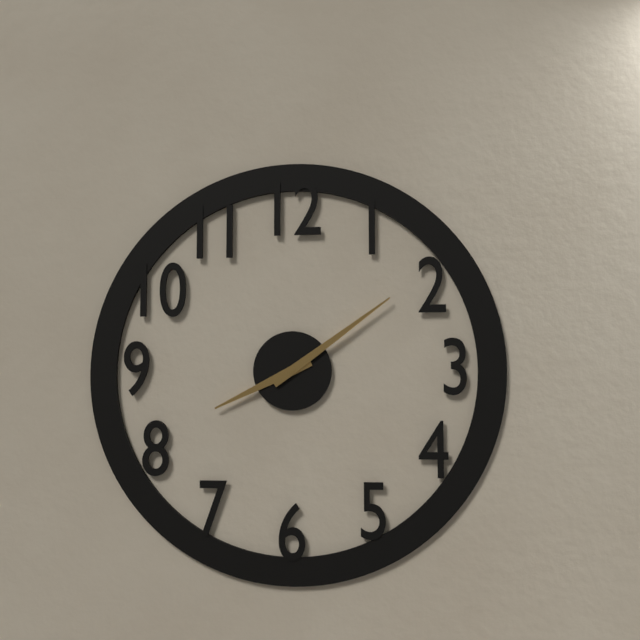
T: **8:09**
